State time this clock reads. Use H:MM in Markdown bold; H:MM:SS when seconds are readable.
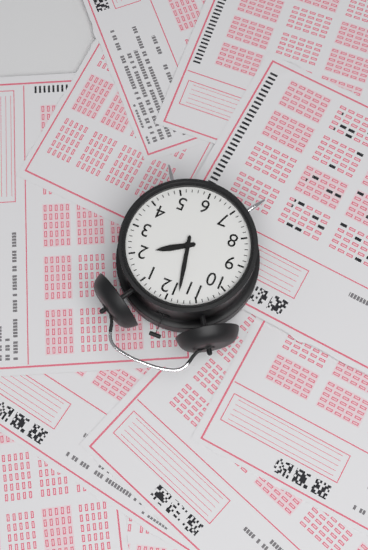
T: **1:58**
